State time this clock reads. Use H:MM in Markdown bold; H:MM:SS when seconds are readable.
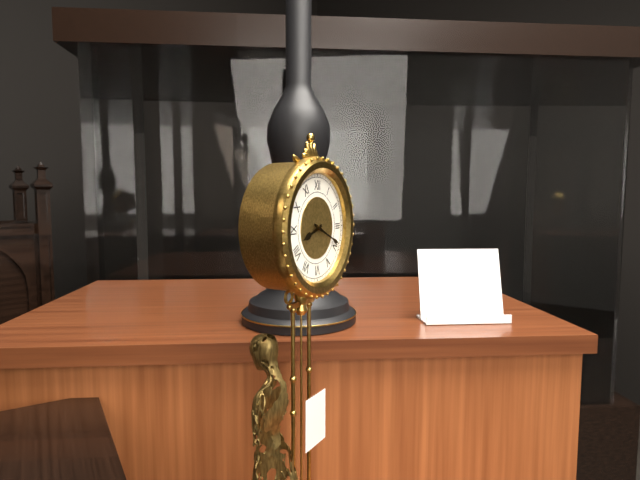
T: **8:19**
